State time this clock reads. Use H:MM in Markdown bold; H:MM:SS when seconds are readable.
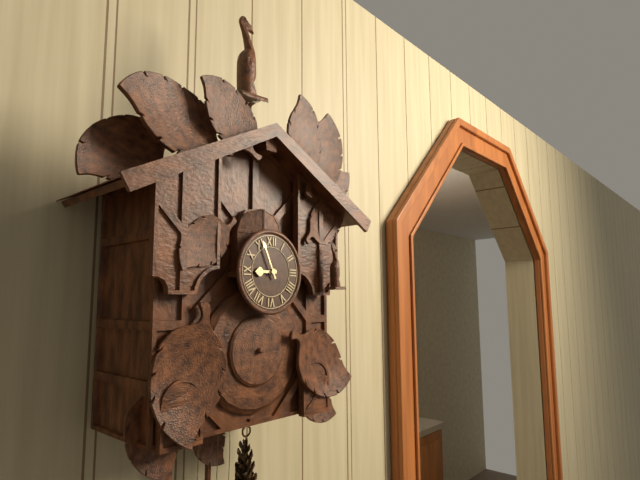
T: **8:56**
